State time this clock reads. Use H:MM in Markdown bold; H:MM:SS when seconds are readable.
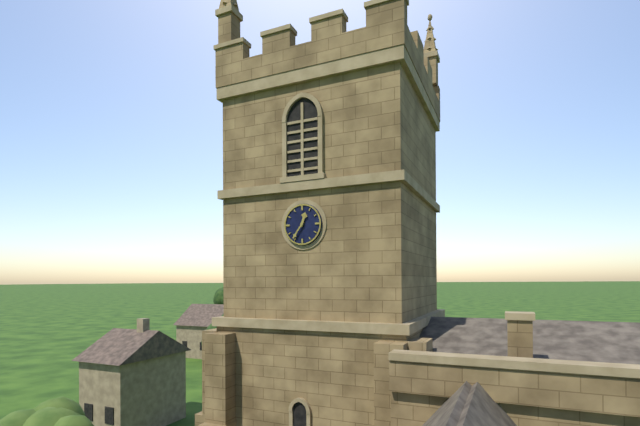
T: **12:36**
